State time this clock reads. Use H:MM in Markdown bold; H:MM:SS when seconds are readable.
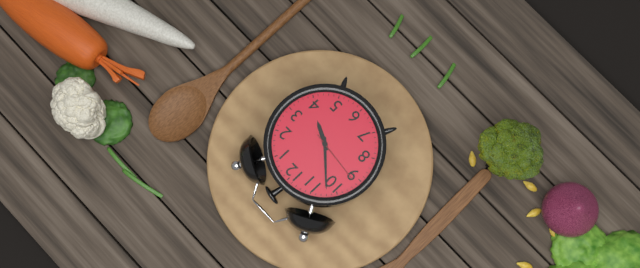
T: **3:52:46**
